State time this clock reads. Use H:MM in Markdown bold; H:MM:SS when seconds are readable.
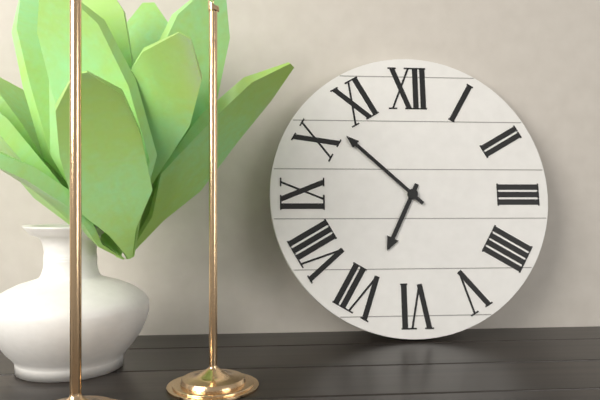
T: **6:52**
